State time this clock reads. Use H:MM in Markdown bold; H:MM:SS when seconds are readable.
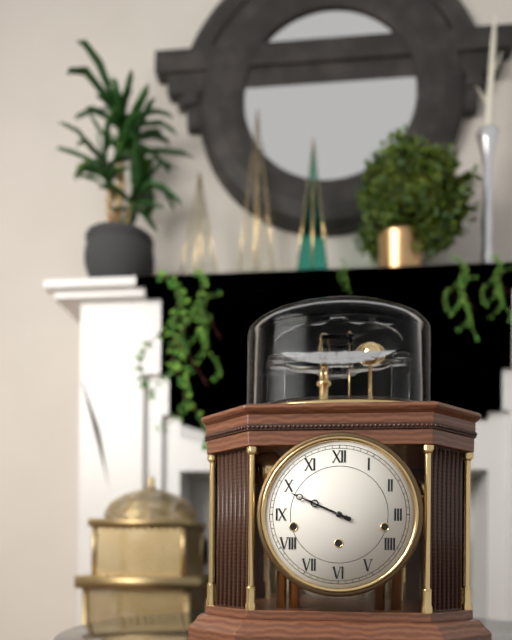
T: **9:49**
